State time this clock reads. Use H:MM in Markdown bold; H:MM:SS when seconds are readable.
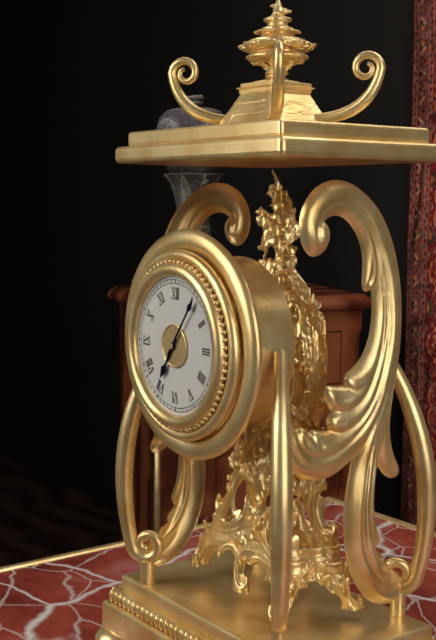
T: **7:06**
